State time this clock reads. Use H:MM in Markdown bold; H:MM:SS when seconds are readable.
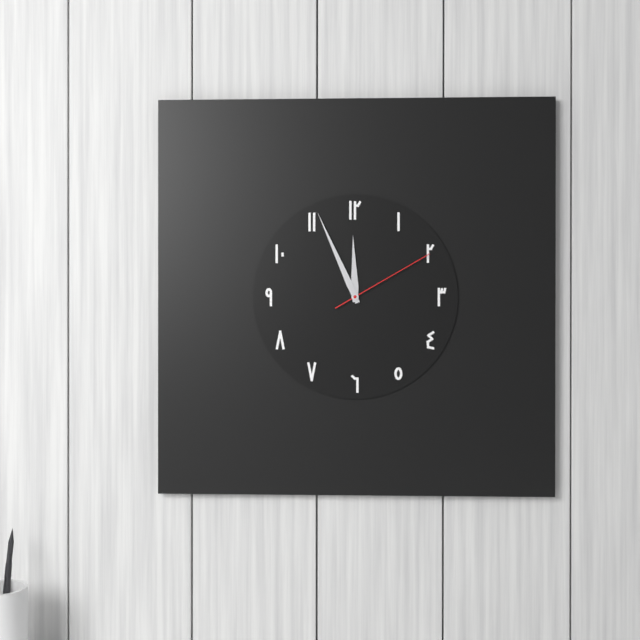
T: **11:56:10**
